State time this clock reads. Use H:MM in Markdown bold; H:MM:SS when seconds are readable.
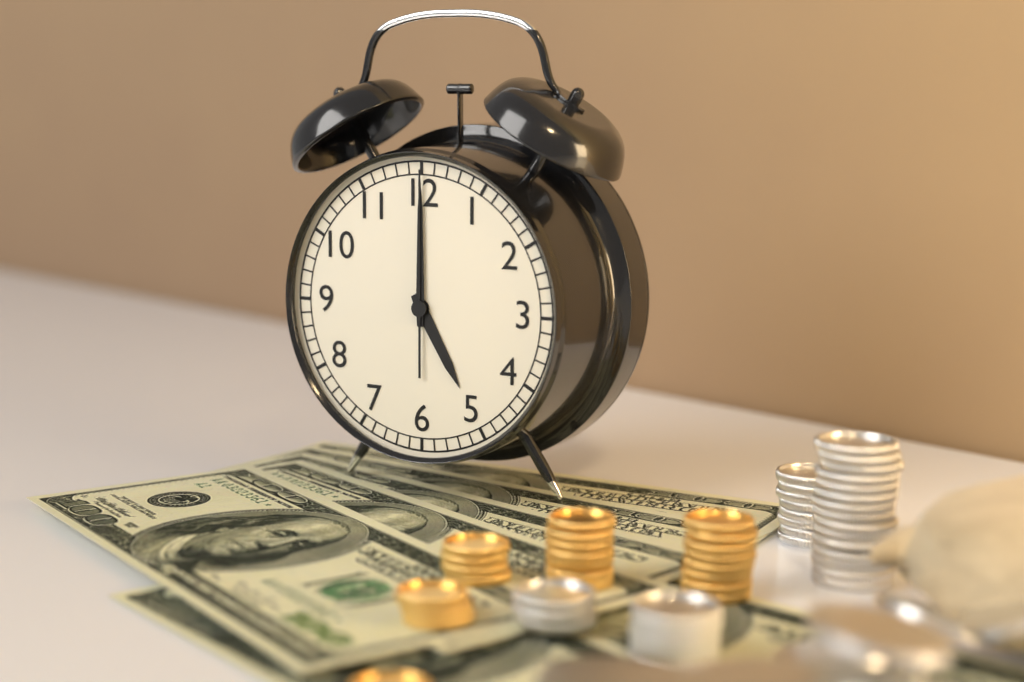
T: **5:00:00**
